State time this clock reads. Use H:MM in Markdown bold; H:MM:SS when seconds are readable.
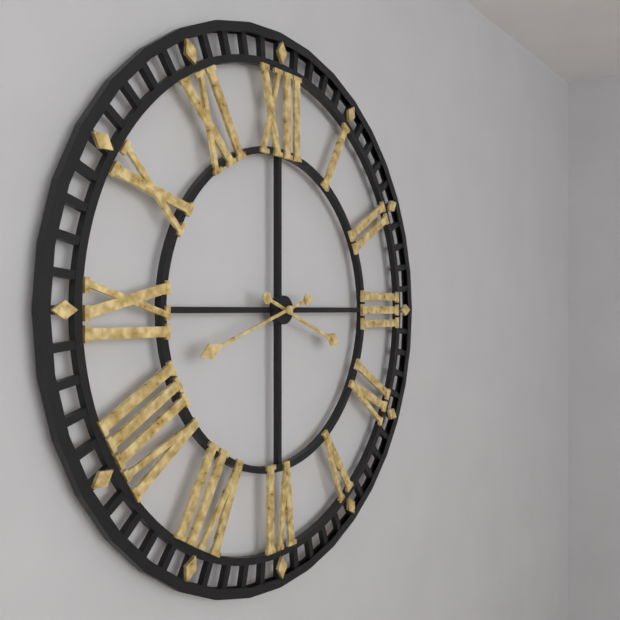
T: **3:42**
